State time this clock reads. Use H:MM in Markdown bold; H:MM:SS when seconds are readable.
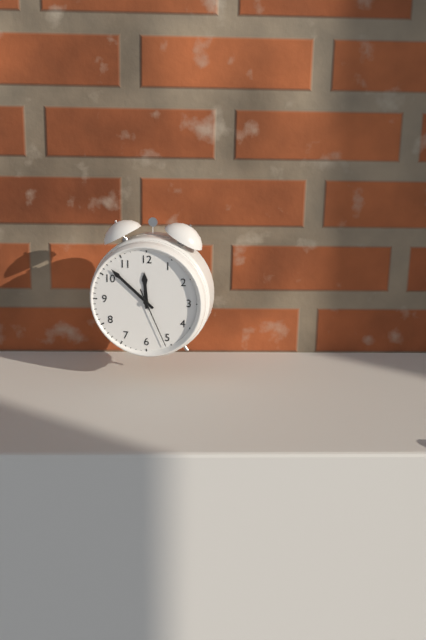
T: **11:52:26**
